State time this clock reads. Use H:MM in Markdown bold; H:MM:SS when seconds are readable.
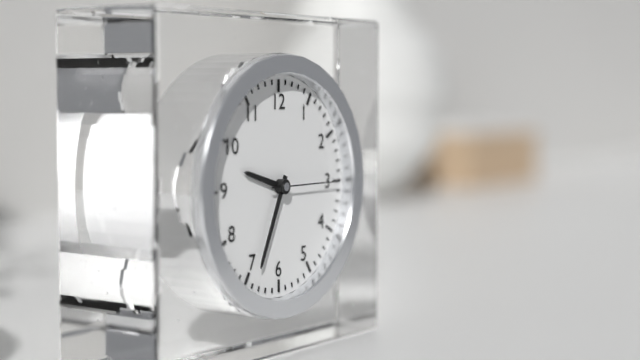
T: **9:34:15**
